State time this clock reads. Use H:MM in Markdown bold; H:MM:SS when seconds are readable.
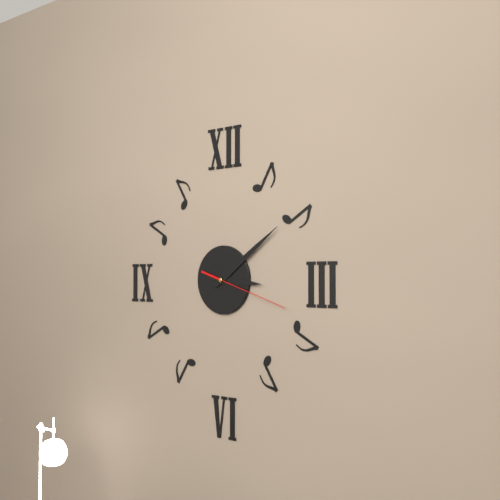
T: **3:09:18**
